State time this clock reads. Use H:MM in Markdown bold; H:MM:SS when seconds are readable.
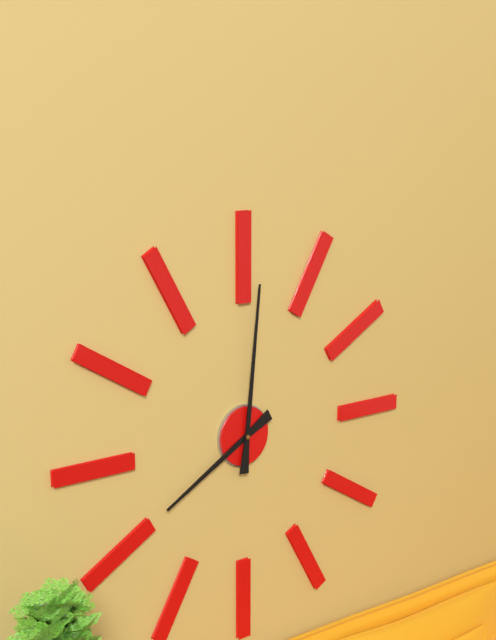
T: **8:01**
